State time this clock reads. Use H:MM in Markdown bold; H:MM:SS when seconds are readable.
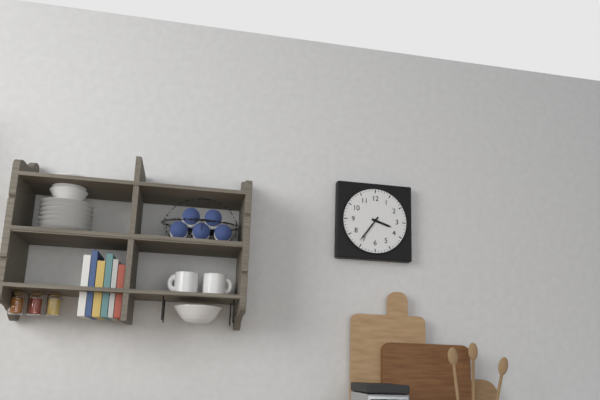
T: **3:36**
